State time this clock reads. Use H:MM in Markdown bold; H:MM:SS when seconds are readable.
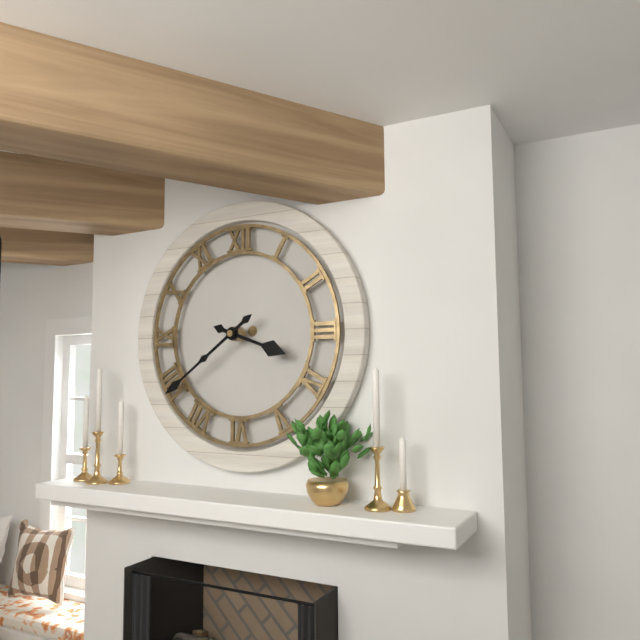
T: **3:39**
